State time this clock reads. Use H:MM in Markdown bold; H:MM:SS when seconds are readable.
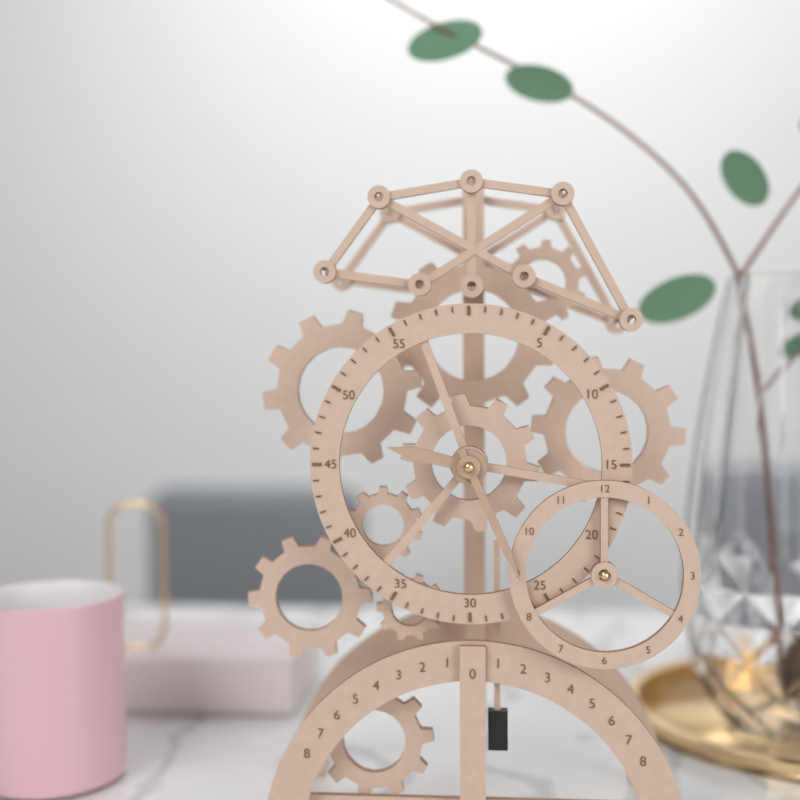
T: **9:26**
